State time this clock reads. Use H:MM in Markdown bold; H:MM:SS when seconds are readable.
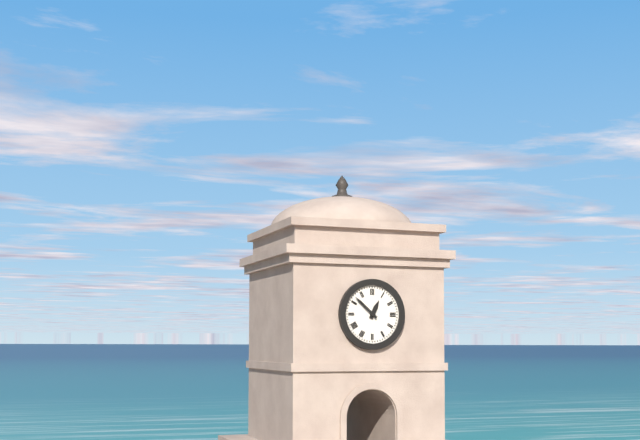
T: **12:52**
